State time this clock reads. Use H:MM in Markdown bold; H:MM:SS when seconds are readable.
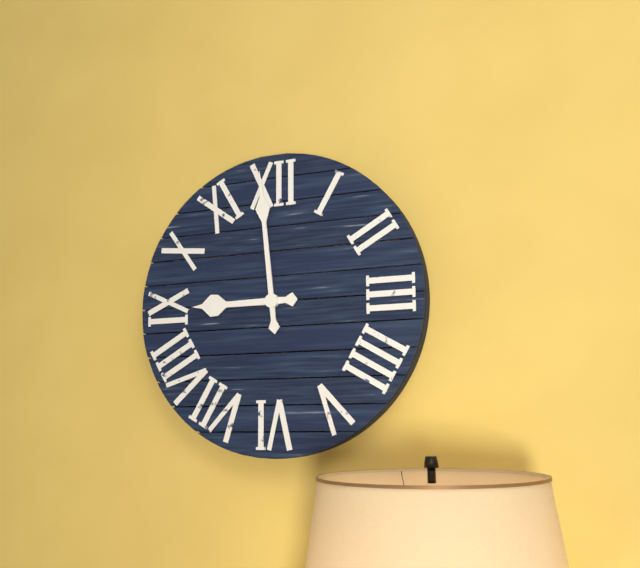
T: **8:59**
